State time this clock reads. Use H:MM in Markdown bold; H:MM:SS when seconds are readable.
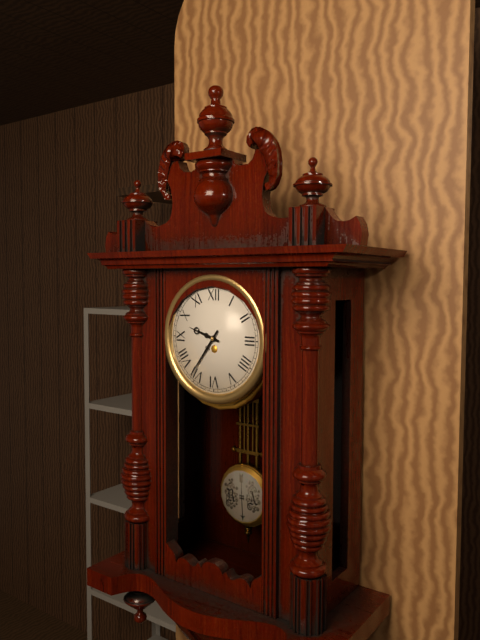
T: **9:36**
